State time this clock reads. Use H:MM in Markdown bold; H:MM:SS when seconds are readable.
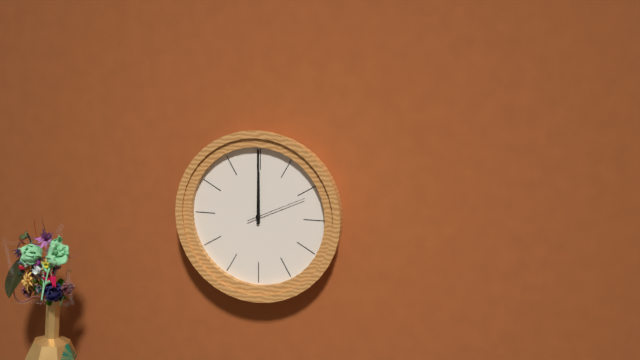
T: **12:00:11**
